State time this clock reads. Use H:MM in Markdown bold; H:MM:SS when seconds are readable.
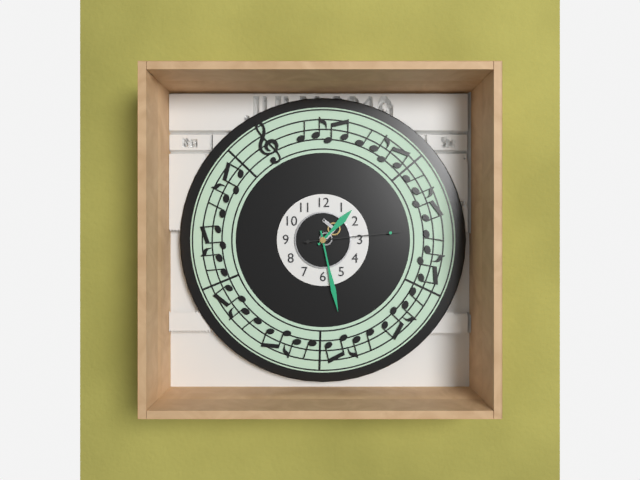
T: **1:28:14**
